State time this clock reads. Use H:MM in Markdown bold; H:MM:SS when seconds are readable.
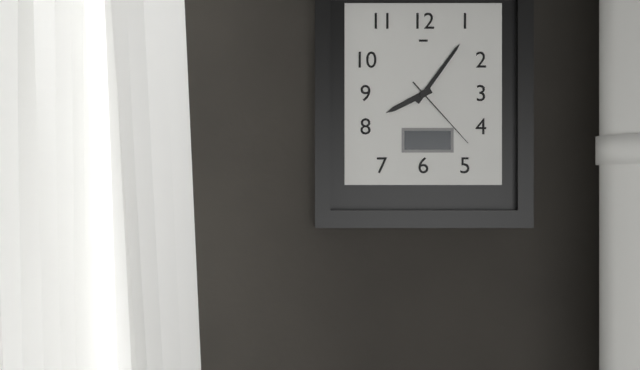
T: **8:06:23**
